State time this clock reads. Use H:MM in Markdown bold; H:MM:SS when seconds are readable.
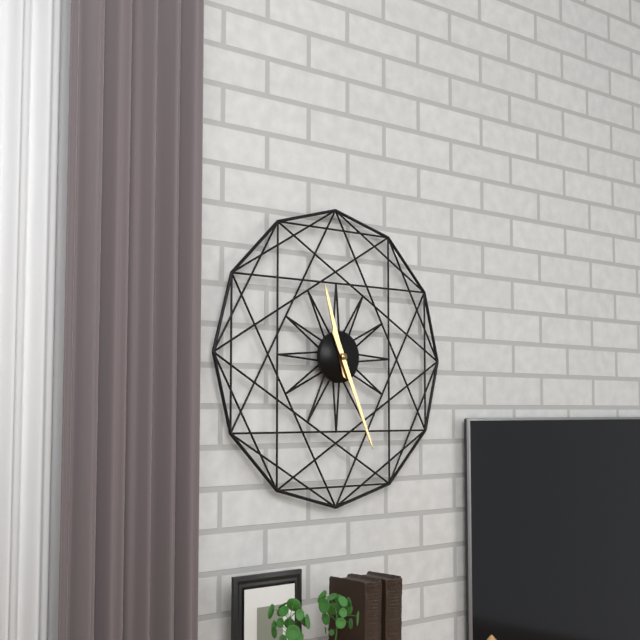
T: **11:26**
